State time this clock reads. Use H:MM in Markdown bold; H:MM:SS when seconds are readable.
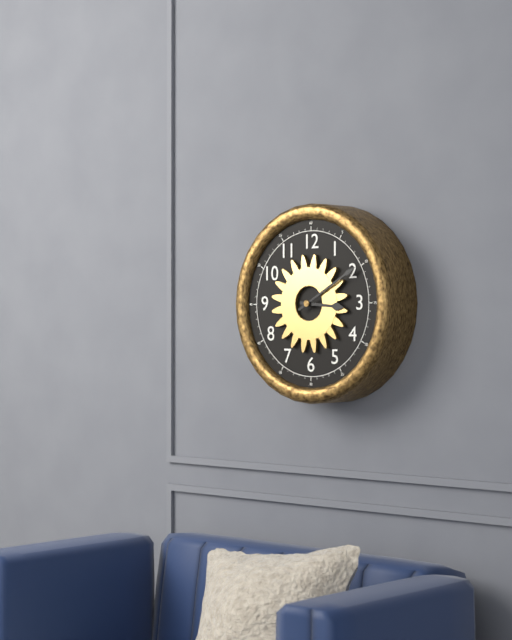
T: **3:10**
